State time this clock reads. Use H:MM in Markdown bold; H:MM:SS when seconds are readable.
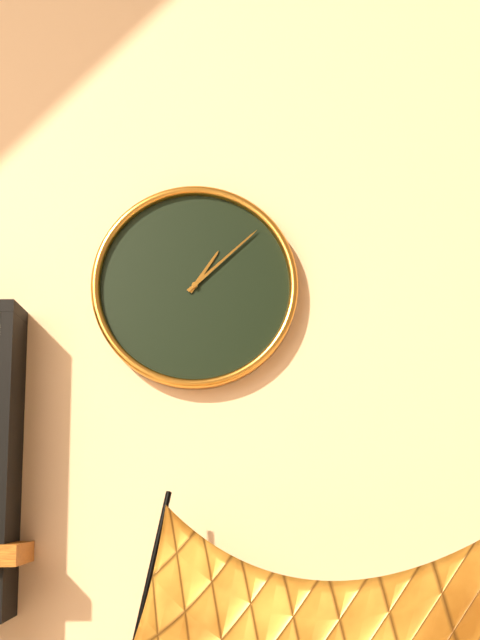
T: **1:08**
